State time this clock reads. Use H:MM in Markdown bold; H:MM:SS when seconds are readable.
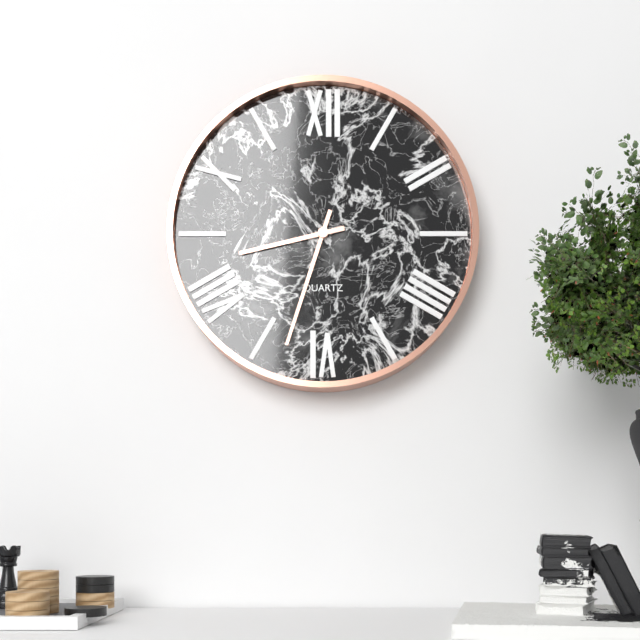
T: **8:33**
